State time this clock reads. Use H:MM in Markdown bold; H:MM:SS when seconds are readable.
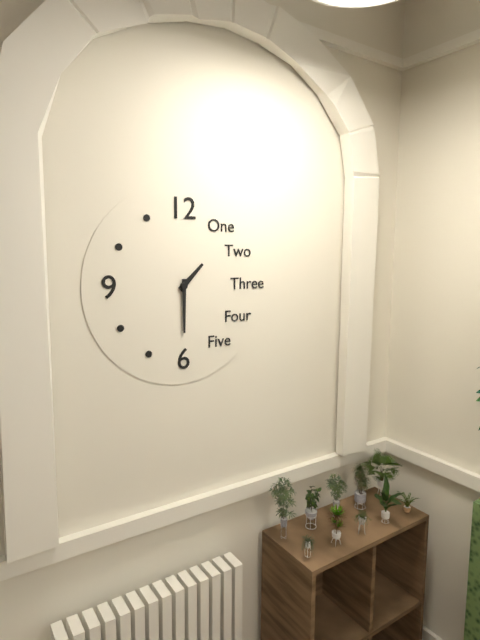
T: **1:30**
